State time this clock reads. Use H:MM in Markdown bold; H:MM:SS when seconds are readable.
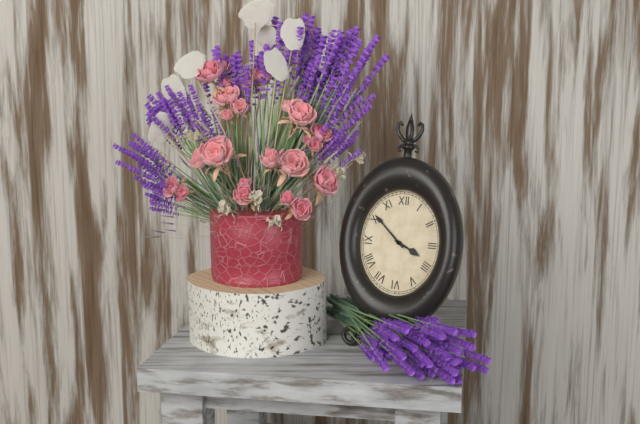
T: **3:52**
